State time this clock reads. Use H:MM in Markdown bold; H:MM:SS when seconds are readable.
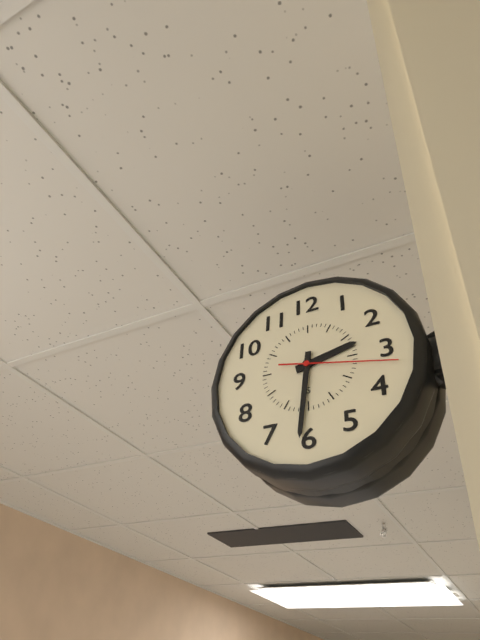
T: **2:31:17**
